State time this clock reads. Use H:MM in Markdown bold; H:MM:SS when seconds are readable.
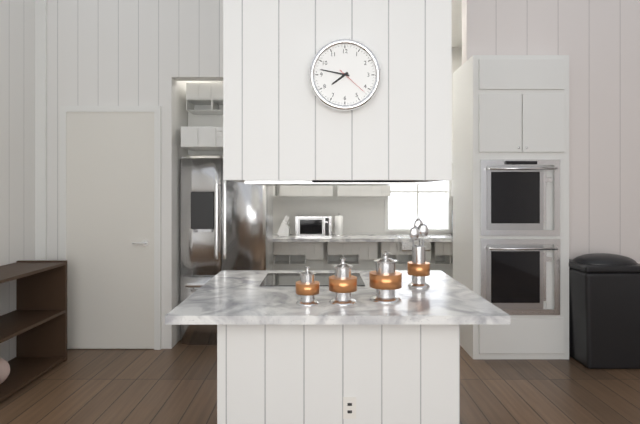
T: **7:47**
